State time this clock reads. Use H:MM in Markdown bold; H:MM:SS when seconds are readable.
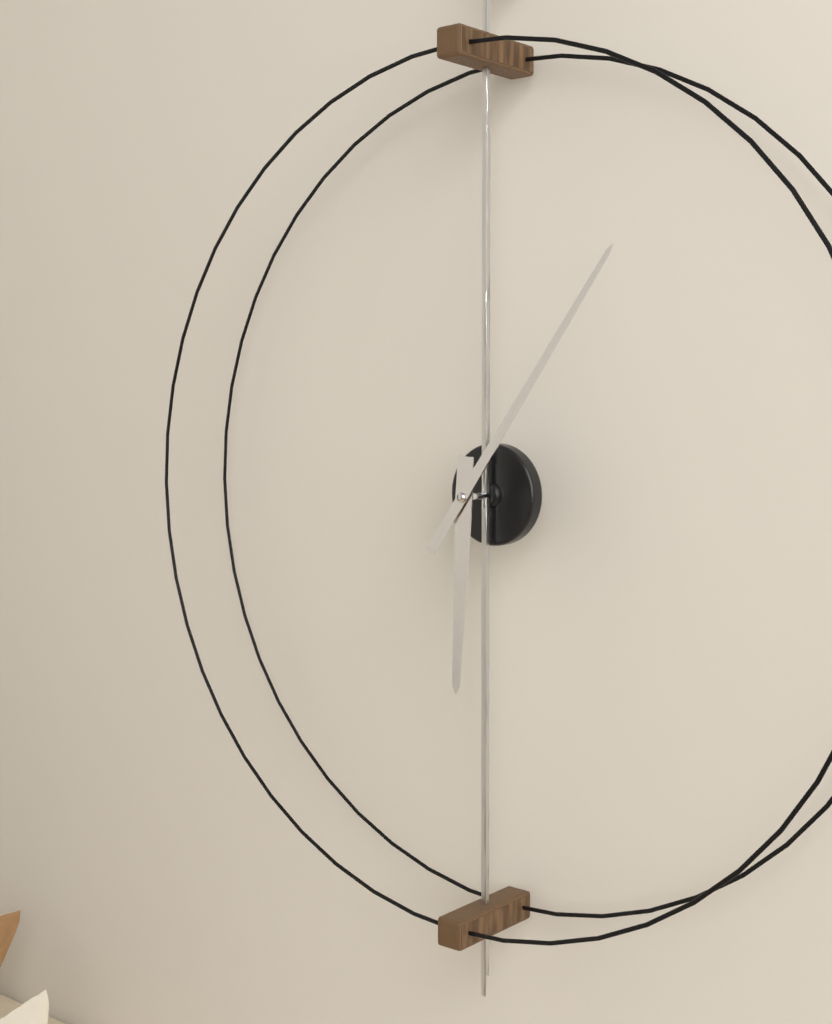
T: **6:06**
